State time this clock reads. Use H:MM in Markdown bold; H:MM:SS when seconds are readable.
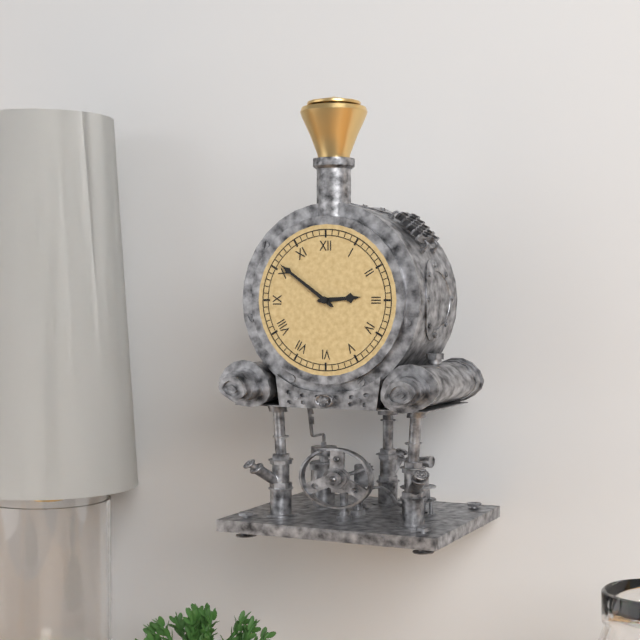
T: **2:51**
